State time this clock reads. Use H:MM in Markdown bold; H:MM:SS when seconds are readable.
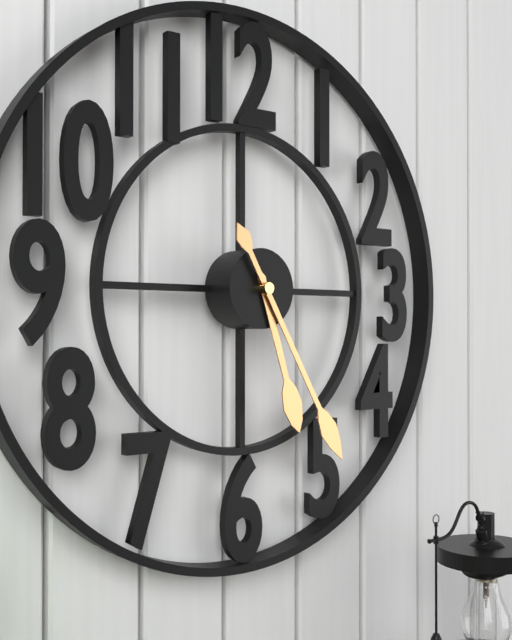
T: **5:25**
